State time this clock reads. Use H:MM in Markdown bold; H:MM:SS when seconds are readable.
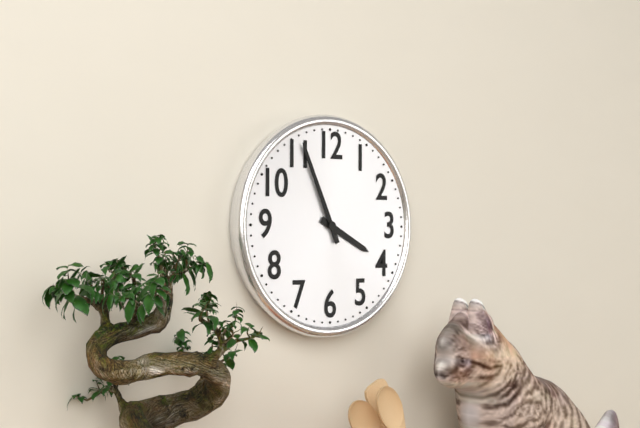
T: **3:56**
